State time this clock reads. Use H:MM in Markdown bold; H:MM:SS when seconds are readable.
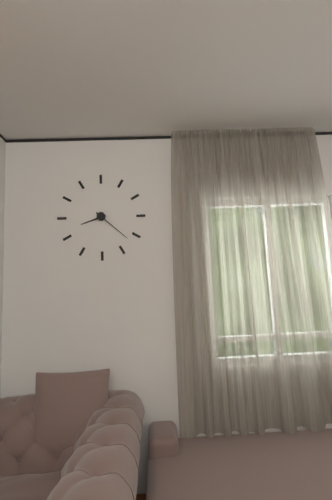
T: **8:22**
